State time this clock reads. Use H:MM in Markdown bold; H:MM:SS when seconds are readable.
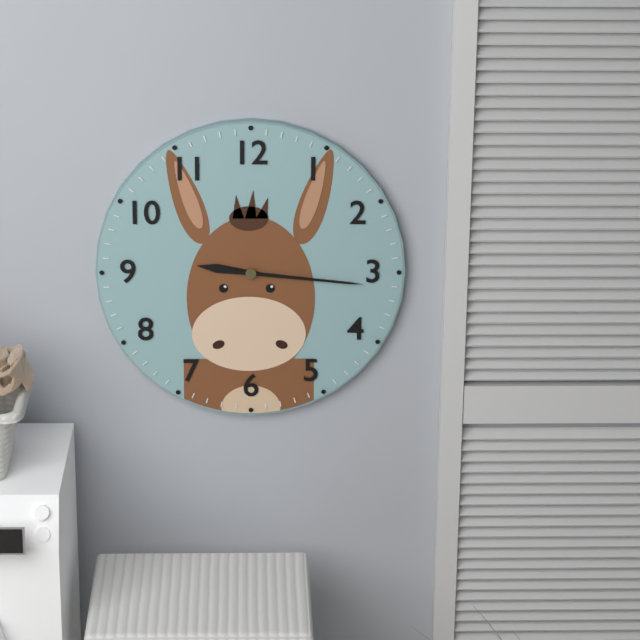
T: **9:16**
